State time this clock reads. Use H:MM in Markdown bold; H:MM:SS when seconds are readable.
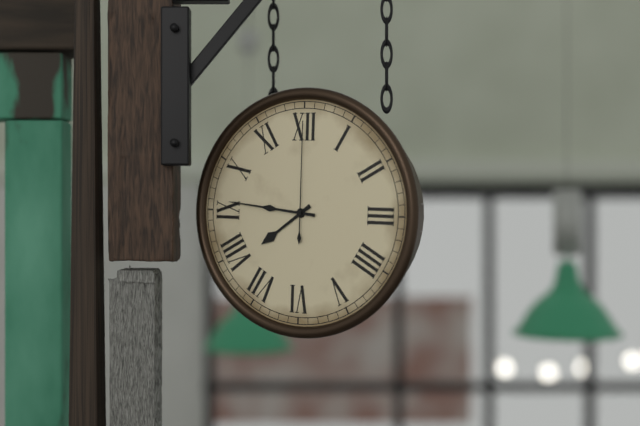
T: **7:46:00**
